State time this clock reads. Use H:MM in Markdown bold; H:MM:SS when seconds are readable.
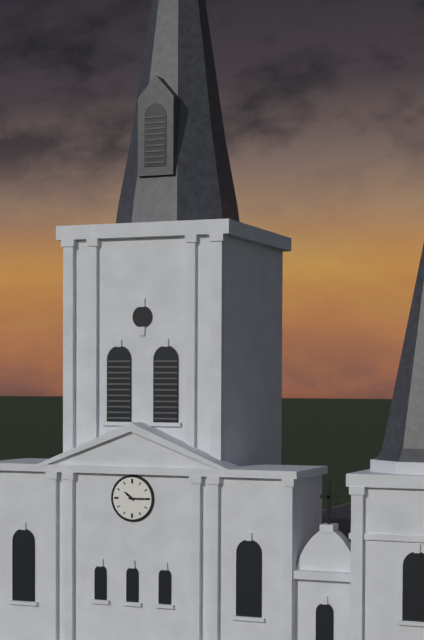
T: **10:15**
